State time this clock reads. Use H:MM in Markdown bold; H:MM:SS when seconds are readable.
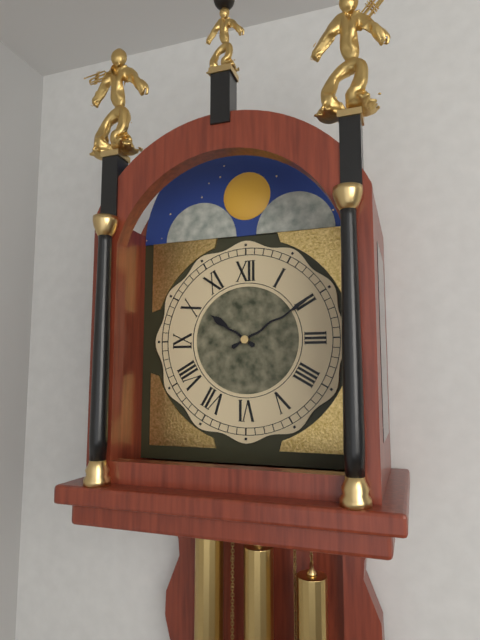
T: **10:10**
